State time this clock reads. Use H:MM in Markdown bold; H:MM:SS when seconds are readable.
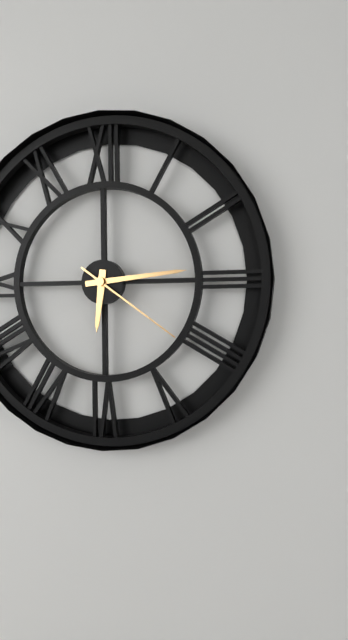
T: **6:14:21**
